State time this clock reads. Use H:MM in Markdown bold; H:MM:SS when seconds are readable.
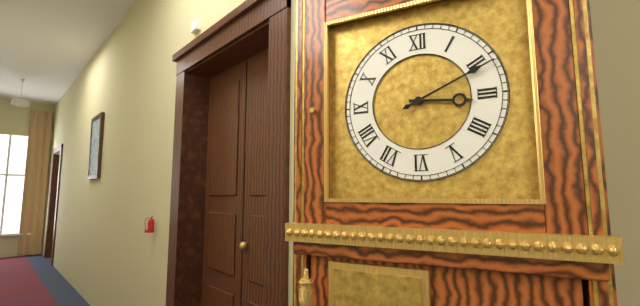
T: **3:11**
